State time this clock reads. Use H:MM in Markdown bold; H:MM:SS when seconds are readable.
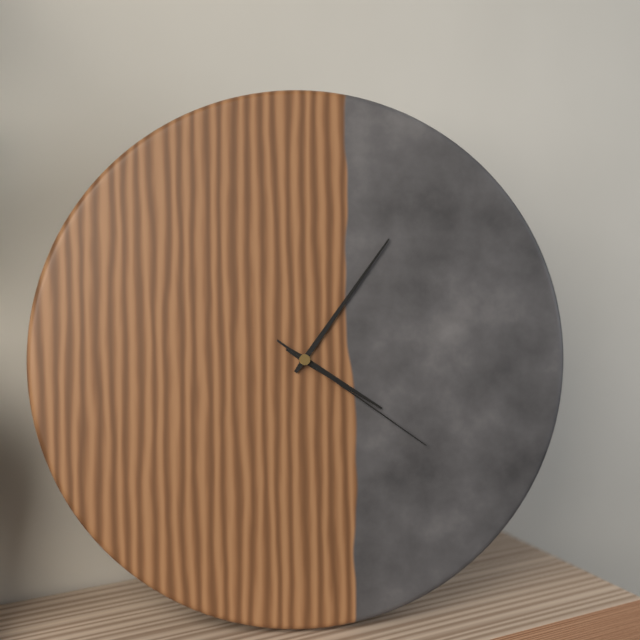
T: **4:06:21**
